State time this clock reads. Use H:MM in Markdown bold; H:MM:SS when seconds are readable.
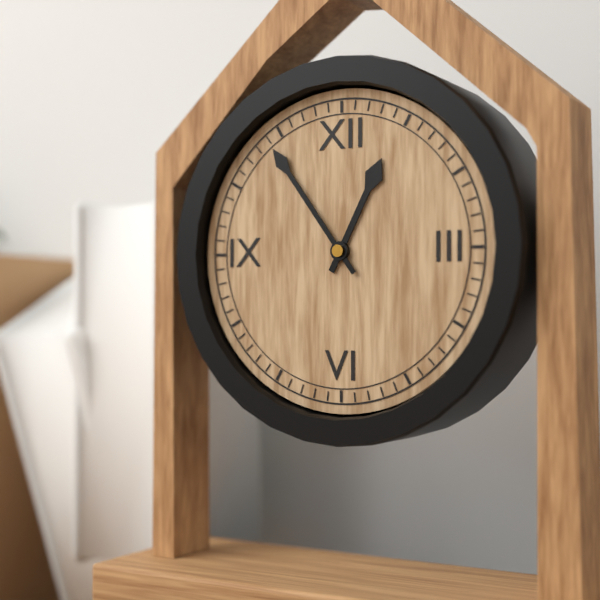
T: **12:54**
